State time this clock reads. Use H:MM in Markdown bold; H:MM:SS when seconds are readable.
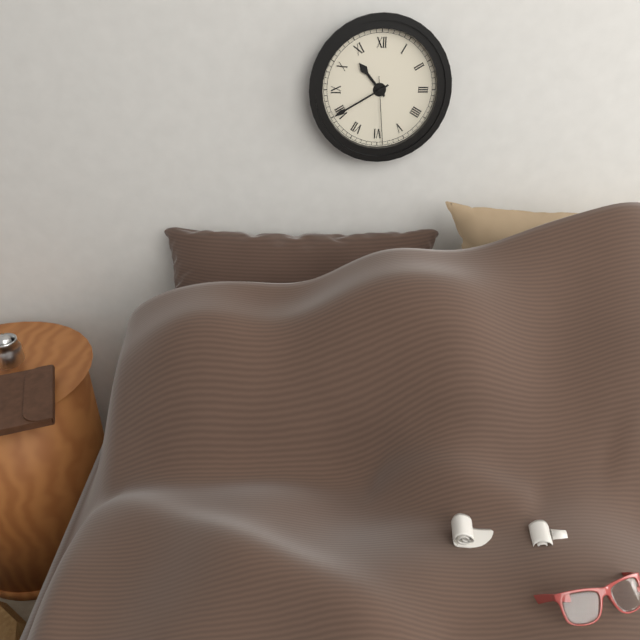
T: **10:40:29**
